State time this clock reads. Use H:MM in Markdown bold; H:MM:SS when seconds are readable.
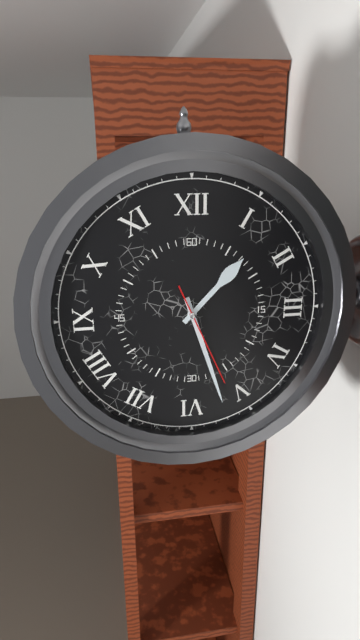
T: **1:27:26**
